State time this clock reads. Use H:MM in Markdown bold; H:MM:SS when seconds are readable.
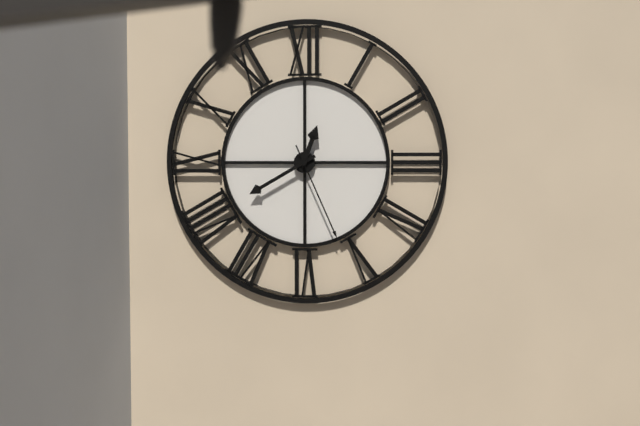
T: **12:40:26**
